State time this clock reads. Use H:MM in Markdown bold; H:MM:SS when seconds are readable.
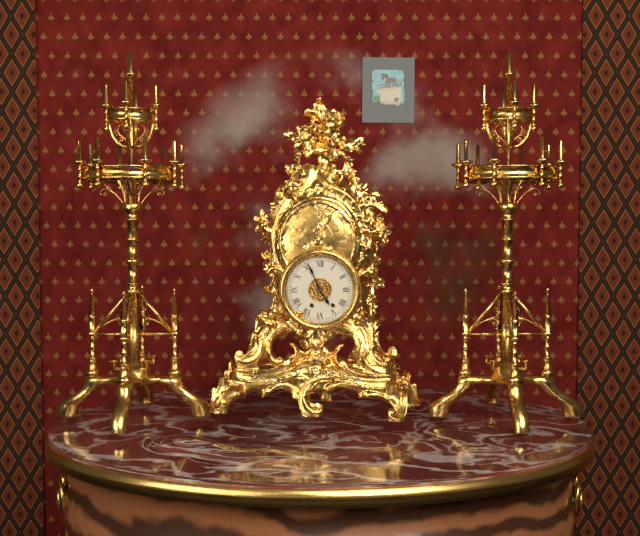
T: **4:56**
